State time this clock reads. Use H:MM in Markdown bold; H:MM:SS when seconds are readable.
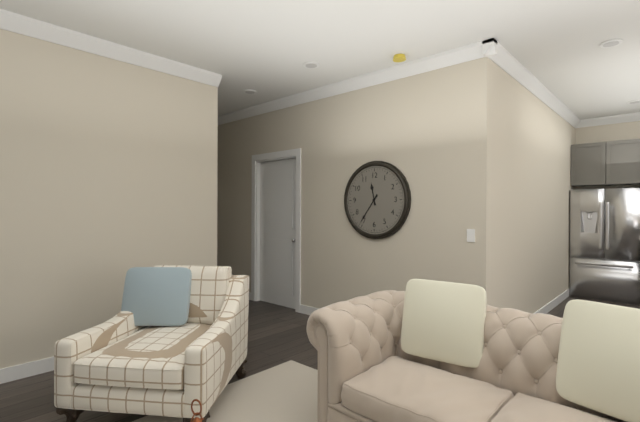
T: **11:36**
